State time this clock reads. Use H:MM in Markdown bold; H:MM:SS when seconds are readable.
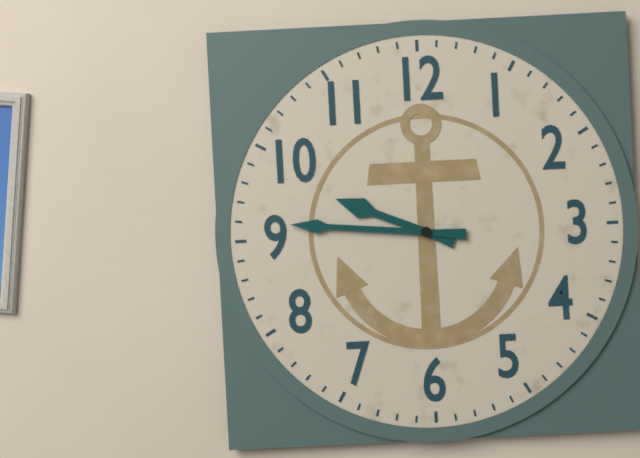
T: **9:46**
